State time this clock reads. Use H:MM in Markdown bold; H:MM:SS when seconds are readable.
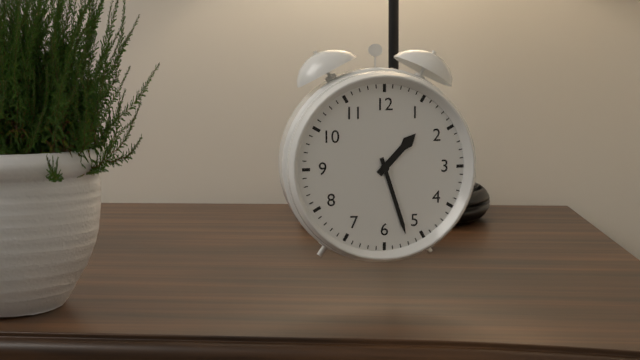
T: **1:27**
